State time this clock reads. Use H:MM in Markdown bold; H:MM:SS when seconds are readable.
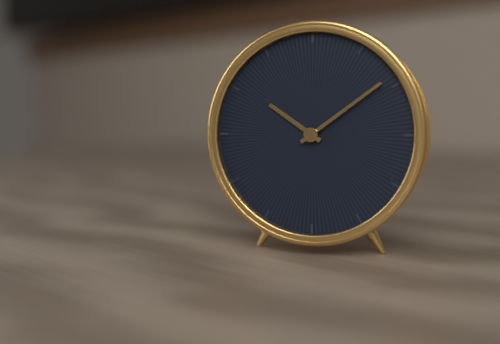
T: **10:09**
